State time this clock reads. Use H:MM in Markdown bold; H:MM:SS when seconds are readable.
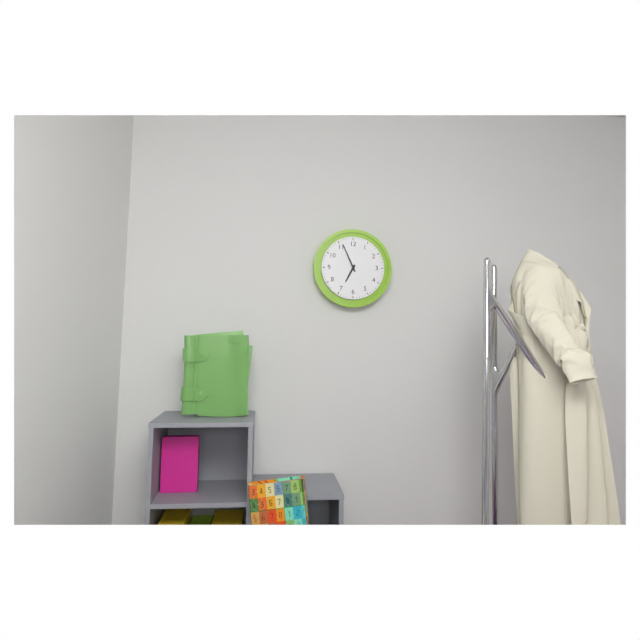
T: **6:56**
